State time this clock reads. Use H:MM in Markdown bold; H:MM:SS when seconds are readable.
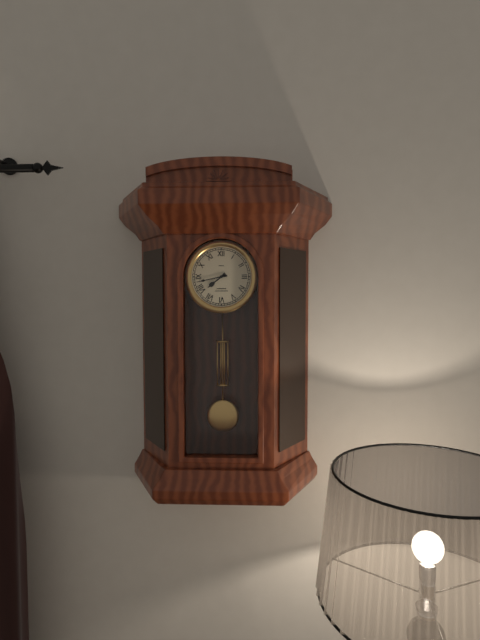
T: **7:43**
